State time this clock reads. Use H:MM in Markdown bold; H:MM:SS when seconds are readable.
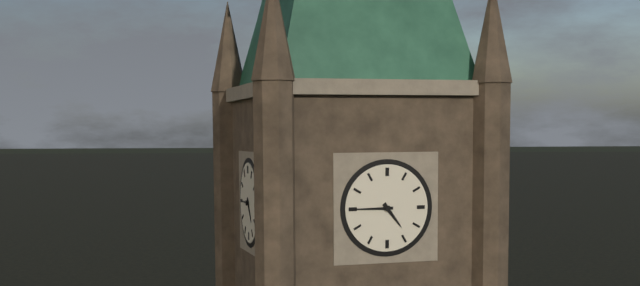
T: **4:45**
